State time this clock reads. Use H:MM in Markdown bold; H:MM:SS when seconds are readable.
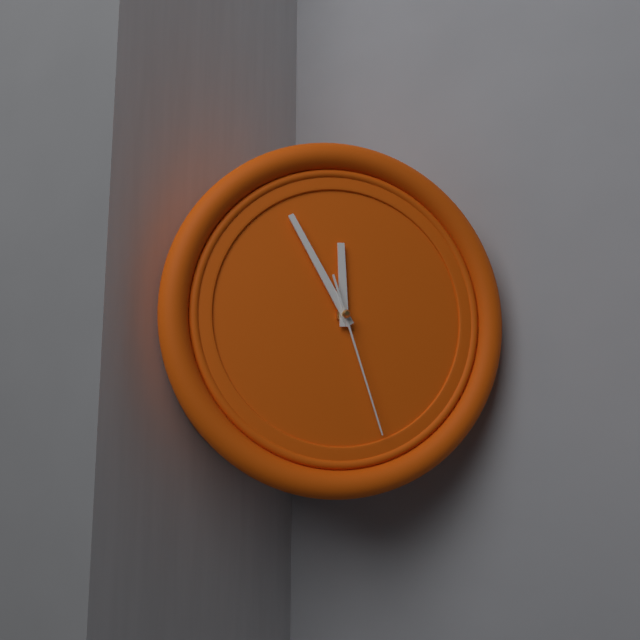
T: **11:55:27**
